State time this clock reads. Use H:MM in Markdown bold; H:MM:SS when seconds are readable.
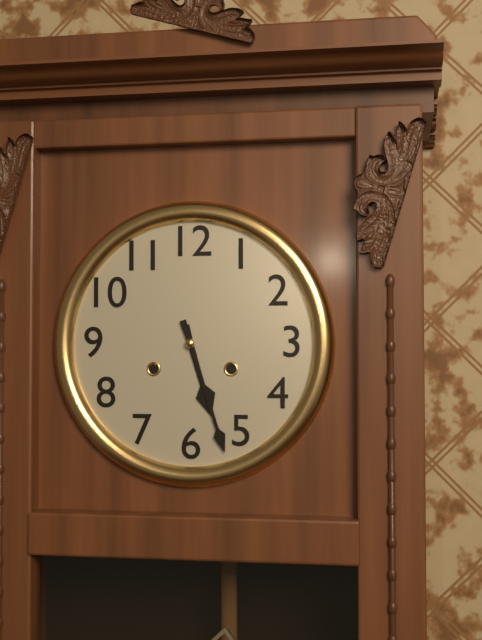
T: **5:27**
